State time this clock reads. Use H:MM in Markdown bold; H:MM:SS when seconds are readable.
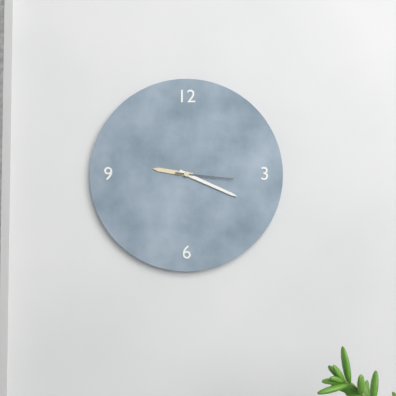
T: **9:19:16**
